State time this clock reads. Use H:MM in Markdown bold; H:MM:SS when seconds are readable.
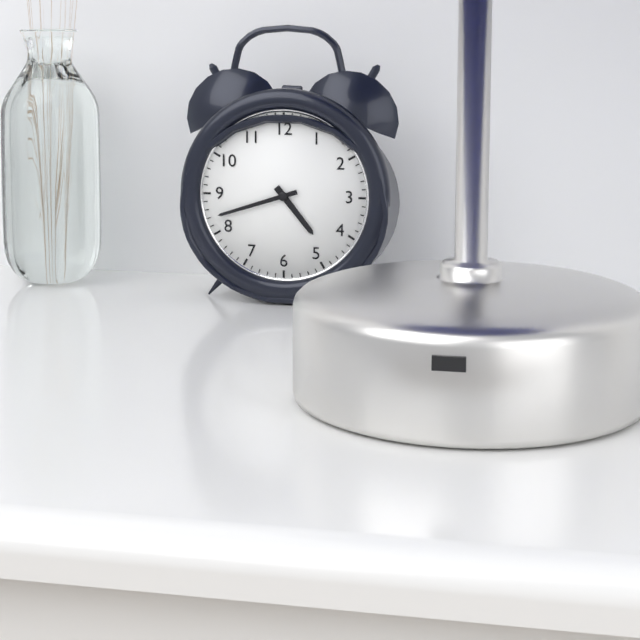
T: **4:42**
